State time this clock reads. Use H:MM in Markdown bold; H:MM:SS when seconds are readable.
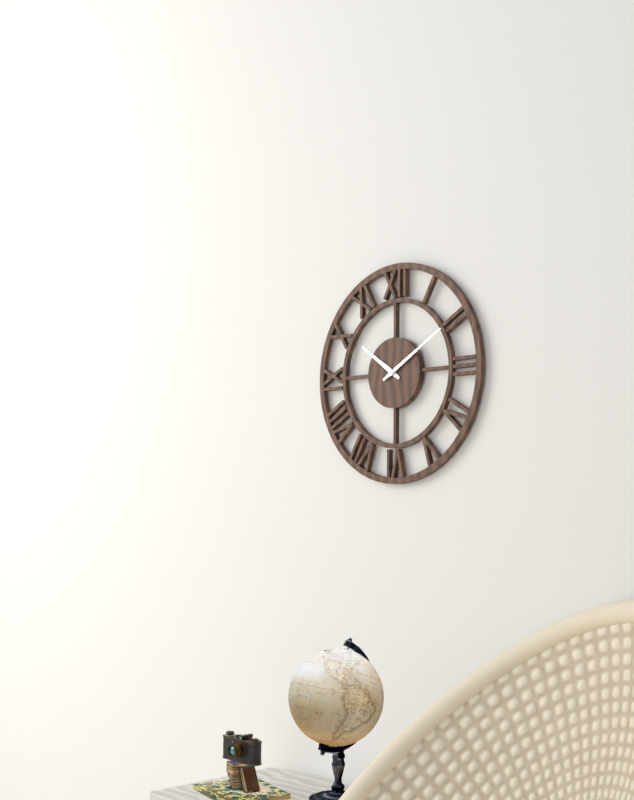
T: **10:10**
